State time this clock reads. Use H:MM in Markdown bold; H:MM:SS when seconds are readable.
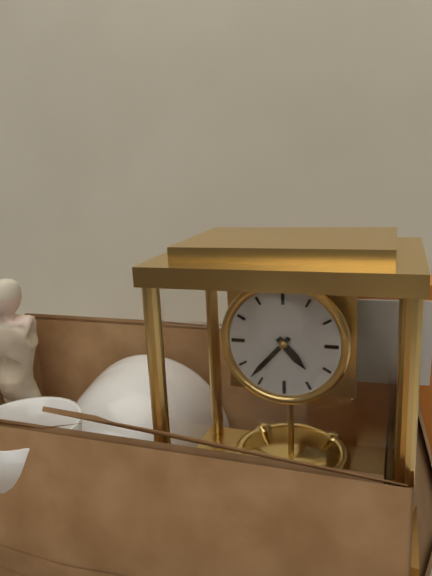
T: **4:37**
